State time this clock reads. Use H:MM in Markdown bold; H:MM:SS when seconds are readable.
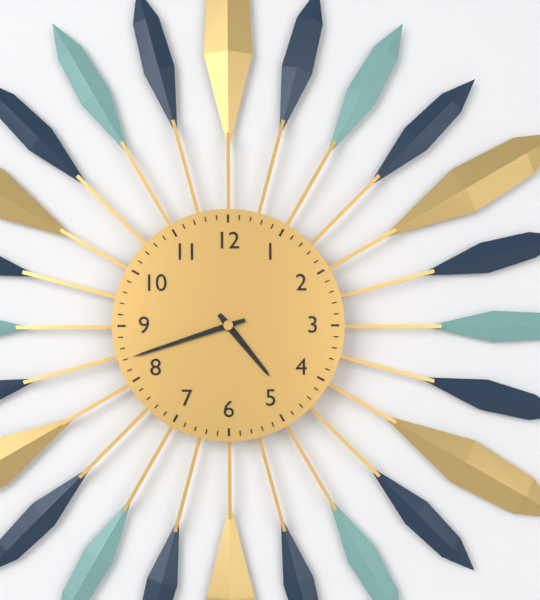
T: **4:42**
